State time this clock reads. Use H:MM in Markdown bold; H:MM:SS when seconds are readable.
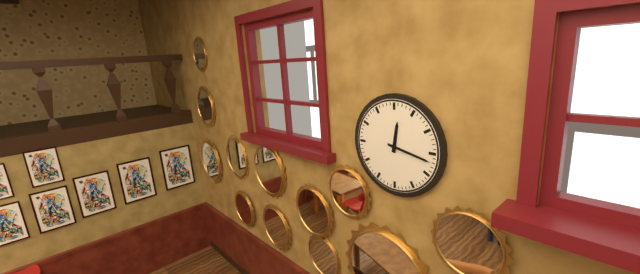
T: **12:17**
